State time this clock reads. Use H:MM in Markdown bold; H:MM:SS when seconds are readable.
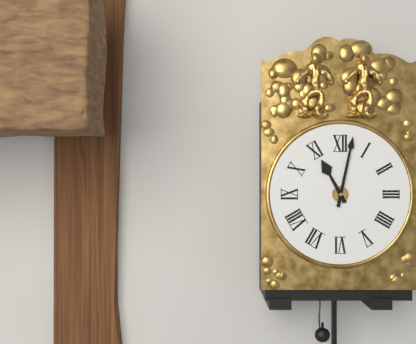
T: **11:02**
